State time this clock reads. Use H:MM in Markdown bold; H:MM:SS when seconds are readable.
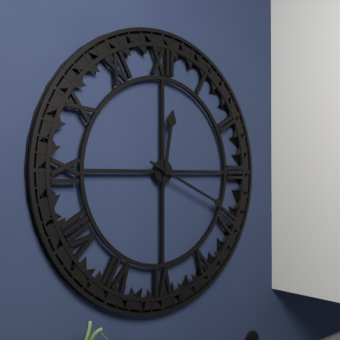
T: **12:19**
